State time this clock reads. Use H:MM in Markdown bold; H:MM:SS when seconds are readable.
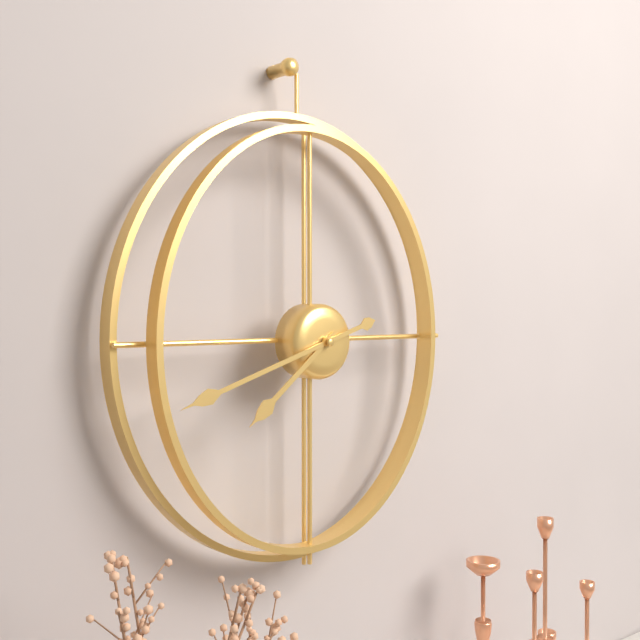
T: **7:42**
